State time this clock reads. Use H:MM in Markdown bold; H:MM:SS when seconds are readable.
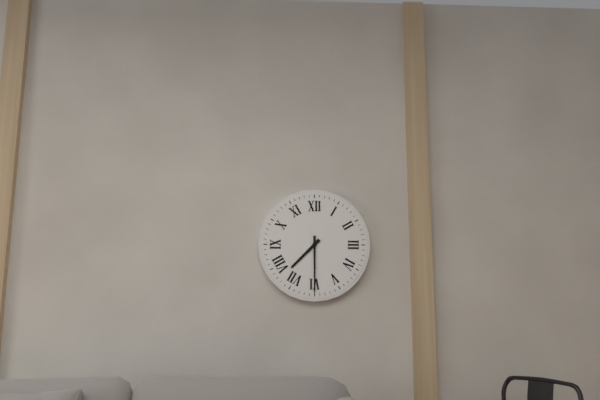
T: **7:30**
